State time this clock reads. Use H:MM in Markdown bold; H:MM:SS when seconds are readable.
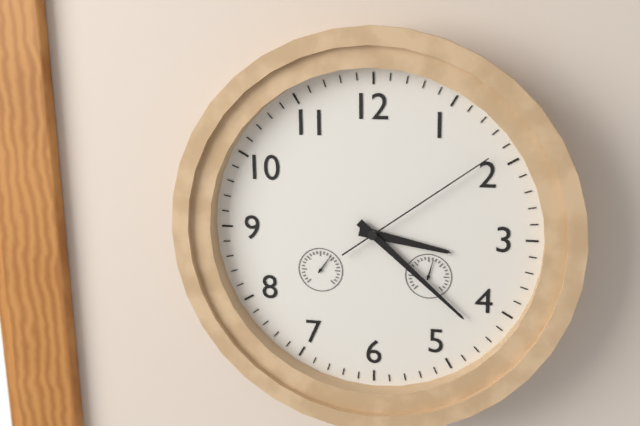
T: **3:22:09**
